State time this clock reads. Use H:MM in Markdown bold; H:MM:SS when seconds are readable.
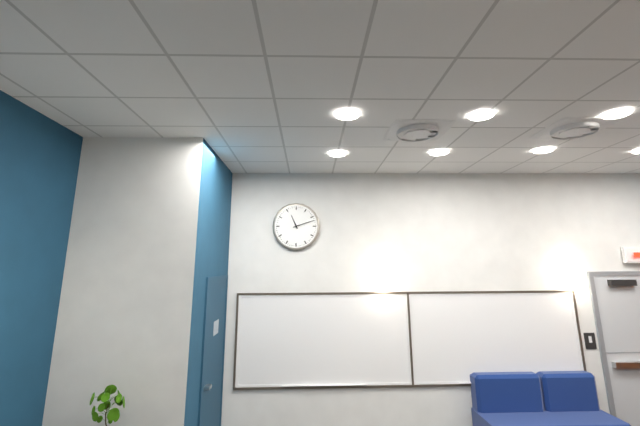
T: **11:12**
